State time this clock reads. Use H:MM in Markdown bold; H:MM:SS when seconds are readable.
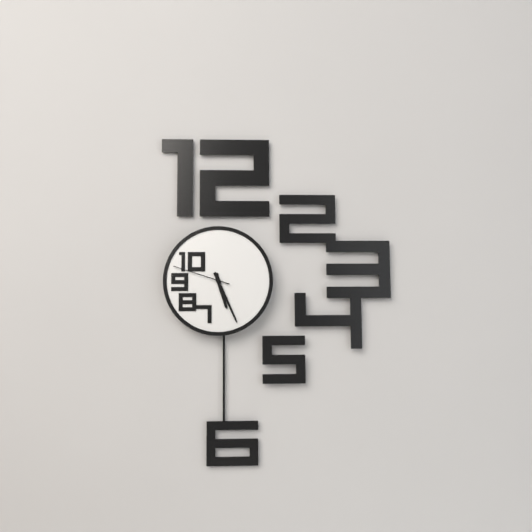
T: **5:26:48**
